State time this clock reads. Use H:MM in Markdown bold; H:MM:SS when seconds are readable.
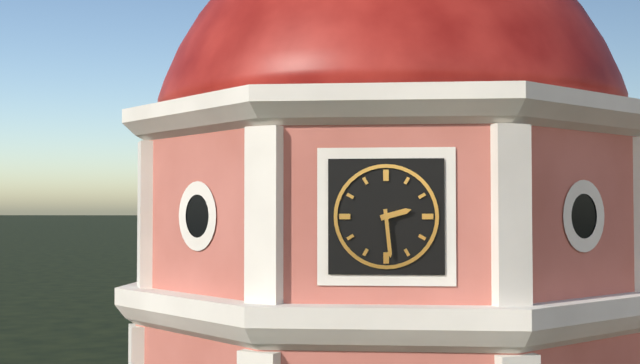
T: **2:29**
